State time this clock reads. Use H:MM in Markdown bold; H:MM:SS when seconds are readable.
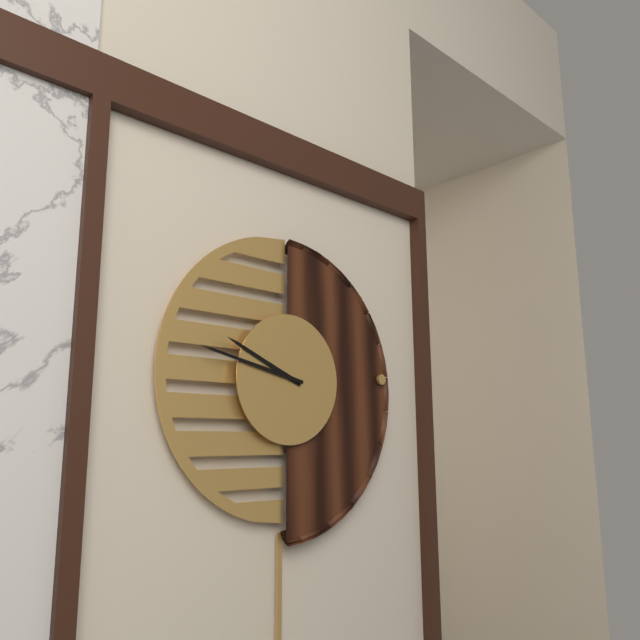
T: **9:47**
